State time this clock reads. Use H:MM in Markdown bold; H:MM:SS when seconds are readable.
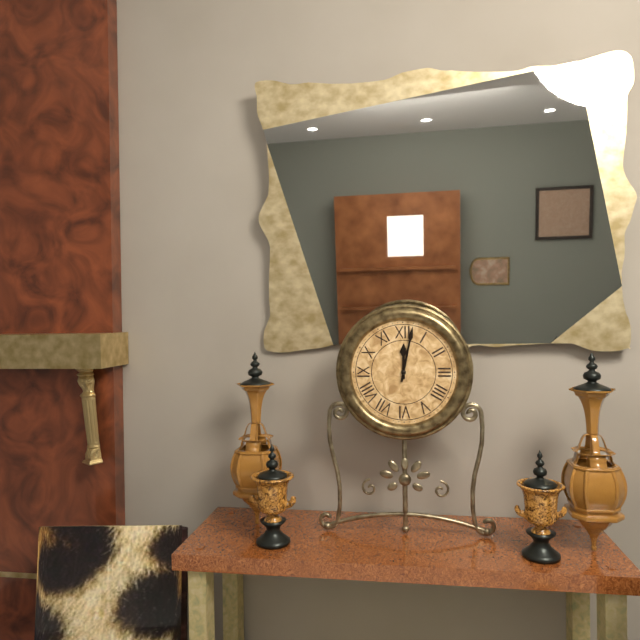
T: **12:02**
